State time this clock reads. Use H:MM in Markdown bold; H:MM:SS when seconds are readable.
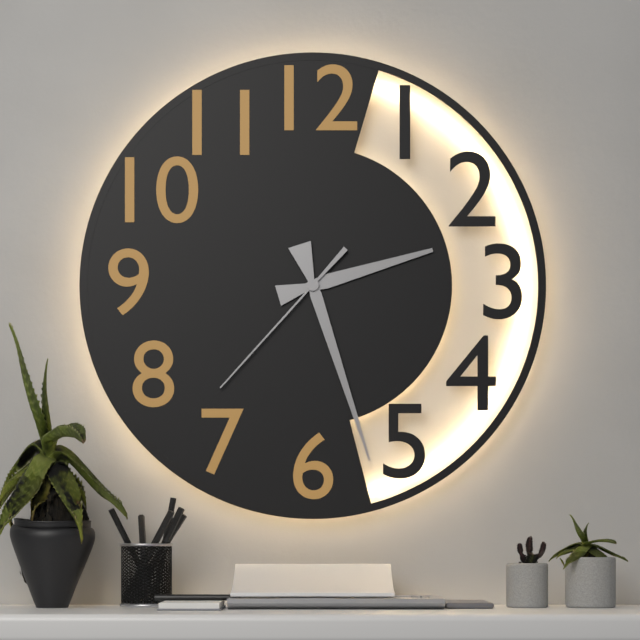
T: **2:27:37**
